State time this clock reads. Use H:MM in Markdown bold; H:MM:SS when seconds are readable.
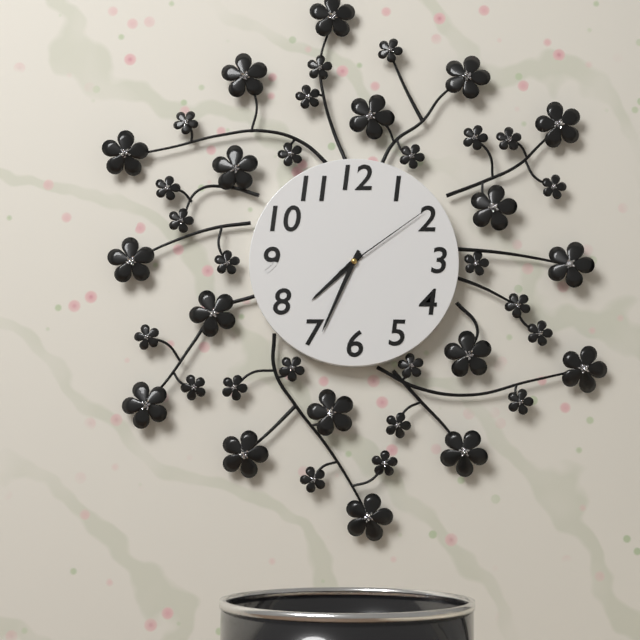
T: **7:34:09**
